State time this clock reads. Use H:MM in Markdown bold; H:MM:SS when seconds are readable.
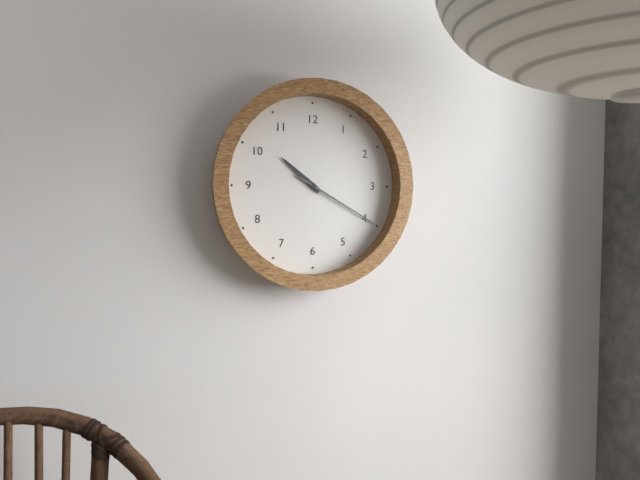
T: **10:20**
